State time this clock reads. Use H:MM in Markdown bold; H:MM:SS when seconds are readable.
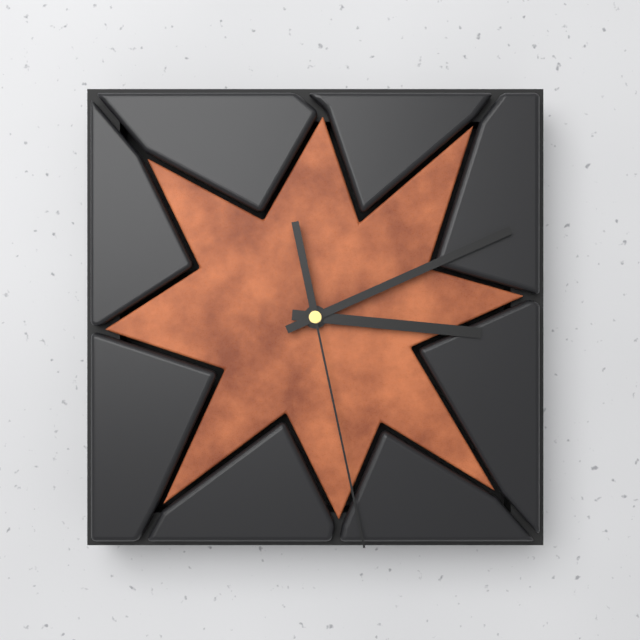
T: **3:11:28**
